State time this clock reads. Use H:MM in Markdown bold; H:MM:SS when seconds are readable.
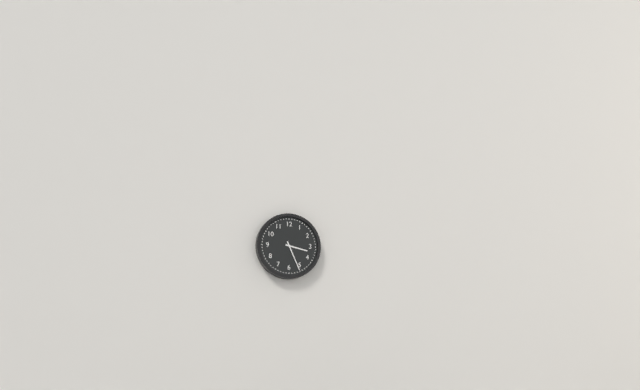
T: **3:26**
